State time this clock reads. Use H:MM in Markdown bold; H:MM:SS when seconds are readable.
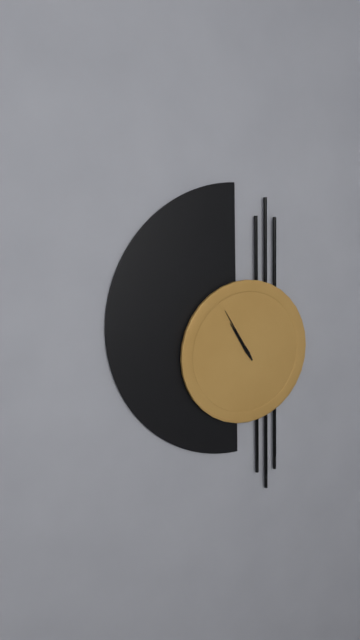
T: **10:55**
